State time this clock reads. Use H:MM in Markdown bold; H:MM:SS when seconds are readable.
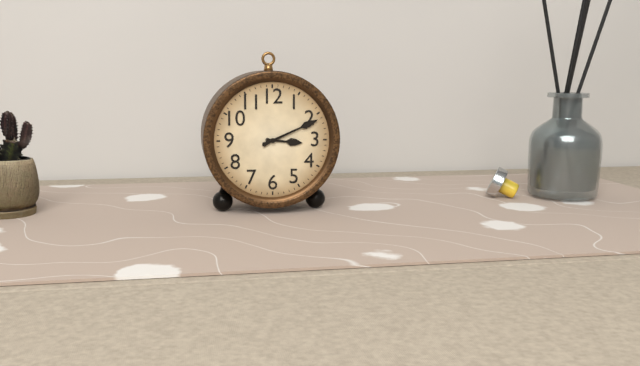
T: **3:11**
